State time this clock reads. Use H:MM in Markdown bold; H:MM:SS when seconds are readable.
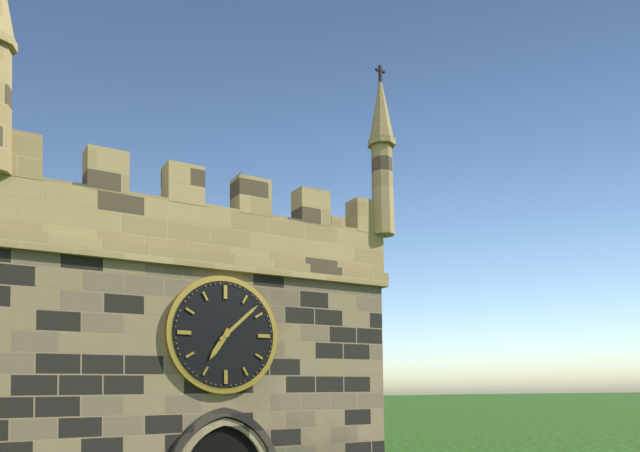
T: **7:08**
